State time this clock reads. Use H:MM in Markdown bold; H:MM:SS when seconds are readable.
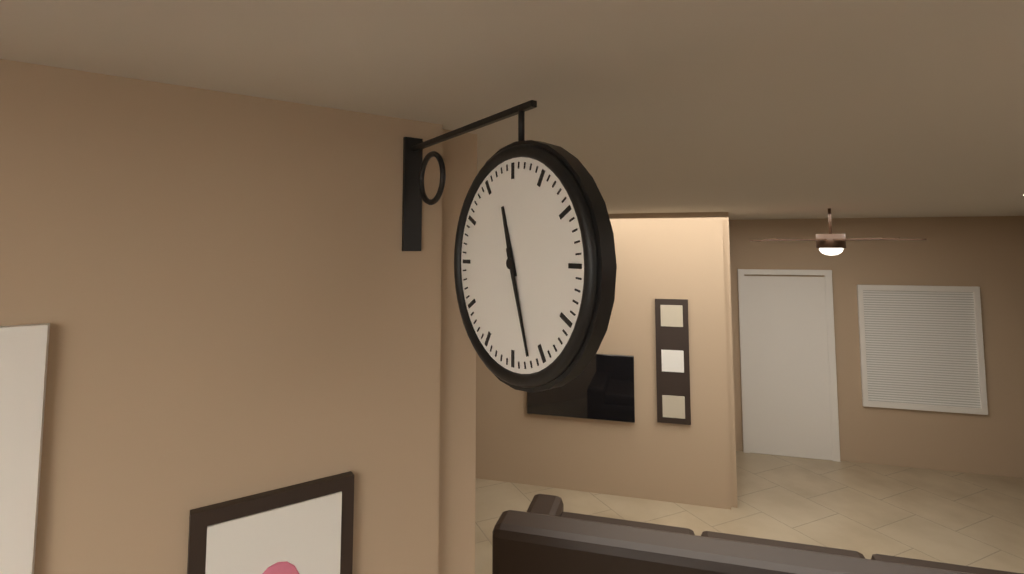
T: **11:27**
